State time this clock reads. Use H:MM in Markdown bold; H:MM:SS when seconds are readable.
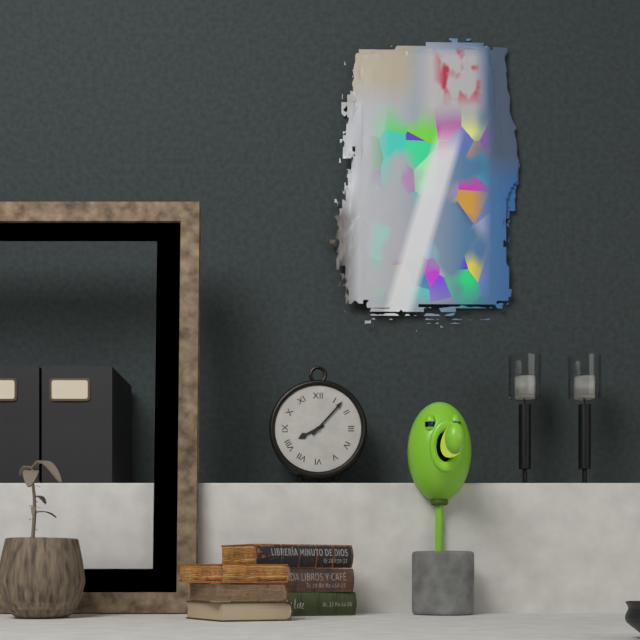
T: **8:07**
